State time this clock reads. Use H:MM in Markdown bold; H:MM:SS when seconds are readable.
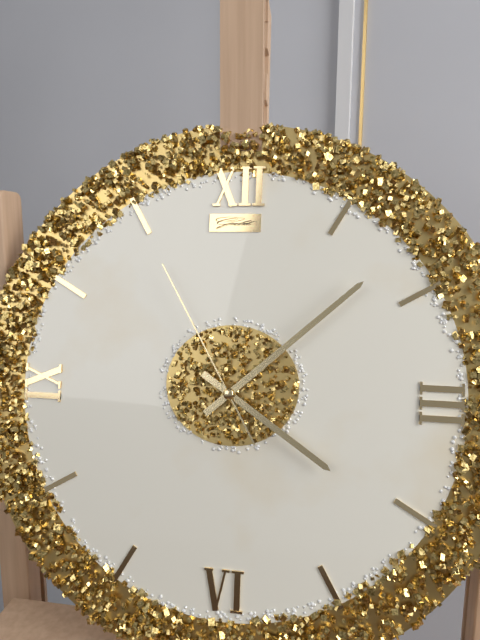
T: **4:08:55**
